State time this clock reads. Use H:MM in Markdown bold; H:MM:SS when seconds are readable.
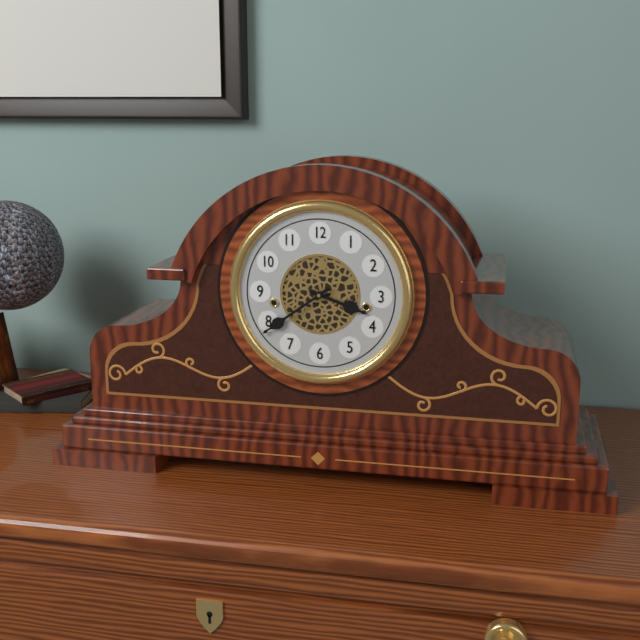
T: **3:39**
